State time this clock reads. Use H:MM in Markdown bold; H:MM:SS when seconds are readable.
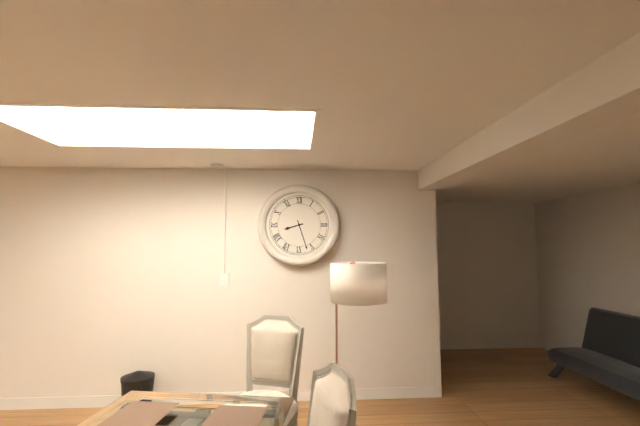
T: **8:27**
